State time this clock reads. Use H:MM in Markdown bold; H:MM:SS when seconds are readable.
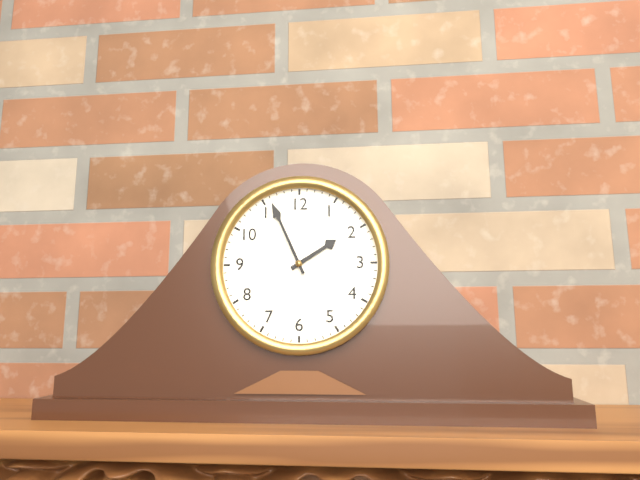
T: **1:56**
